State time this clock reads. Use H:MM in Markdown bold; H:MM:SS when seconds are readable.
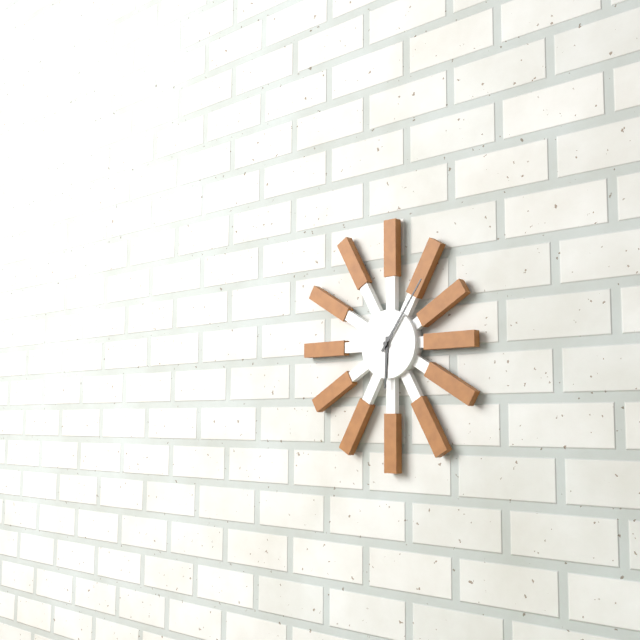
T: **6:06**
